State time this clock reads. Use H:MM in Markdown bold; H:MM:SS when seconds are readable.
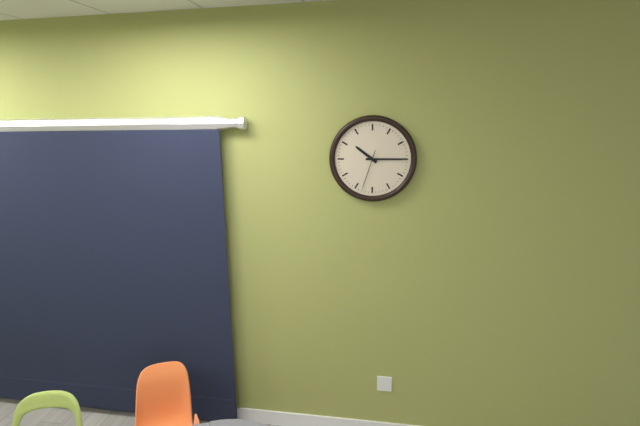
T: **10:15**
